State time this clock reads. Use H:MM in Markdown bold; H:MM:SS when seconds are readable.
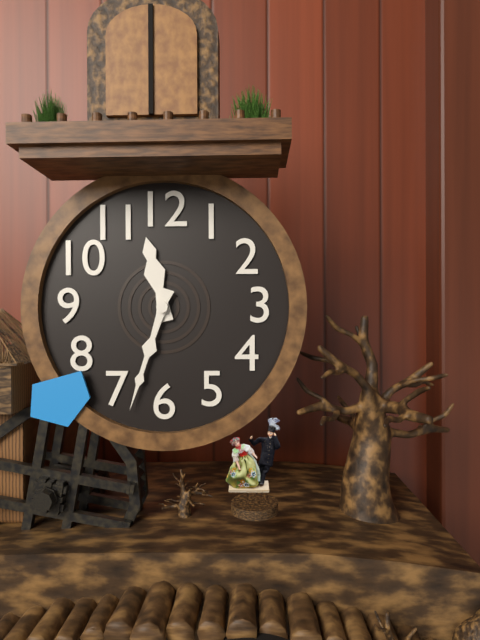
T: **11:33**
